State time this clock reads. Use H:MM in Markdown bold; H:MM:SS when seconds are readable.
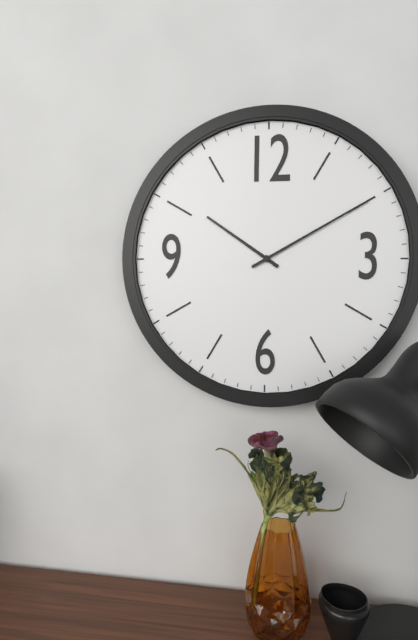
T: **10:10**
